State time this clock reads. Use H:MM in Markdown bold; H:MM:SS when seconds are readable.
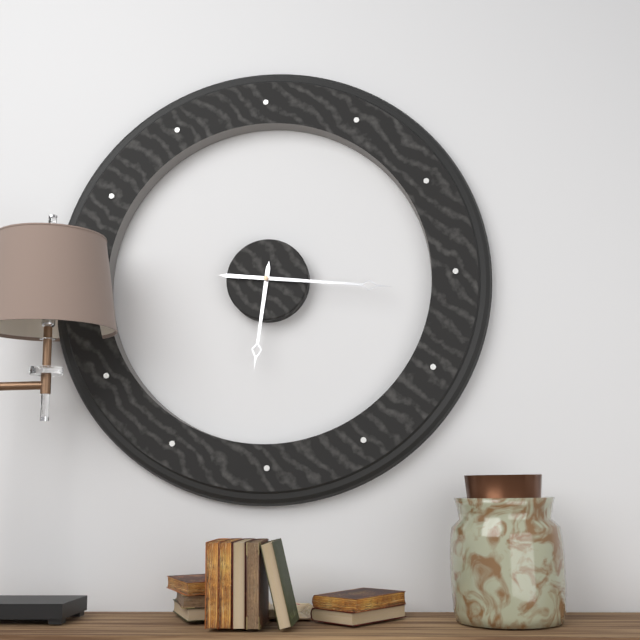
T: **6:16**
